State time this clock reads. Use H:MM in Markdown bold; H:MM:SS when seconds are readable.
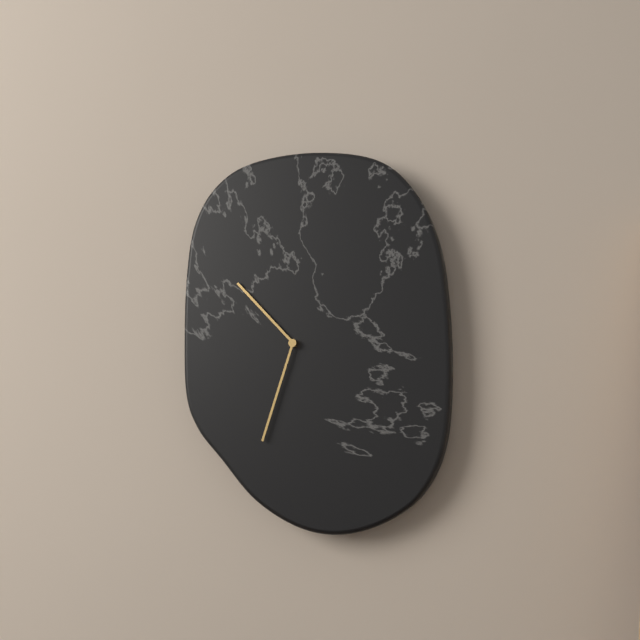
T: **10:33**
